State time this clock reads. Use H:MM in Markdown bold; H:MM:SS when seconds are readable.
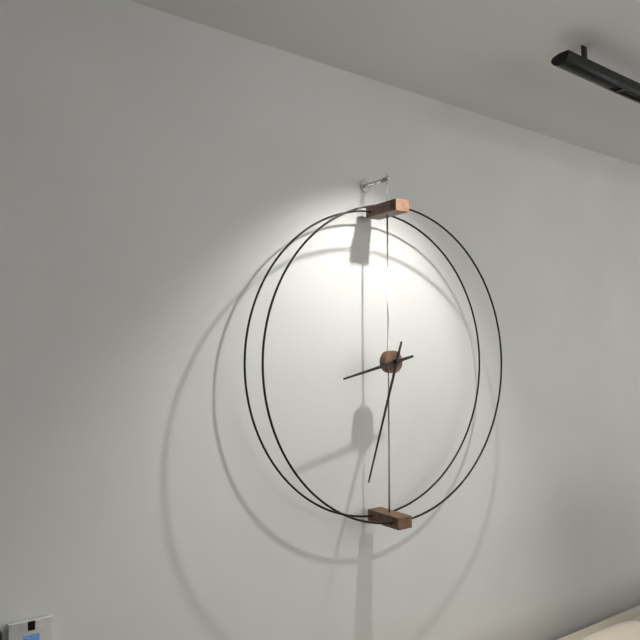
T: **8:33**
